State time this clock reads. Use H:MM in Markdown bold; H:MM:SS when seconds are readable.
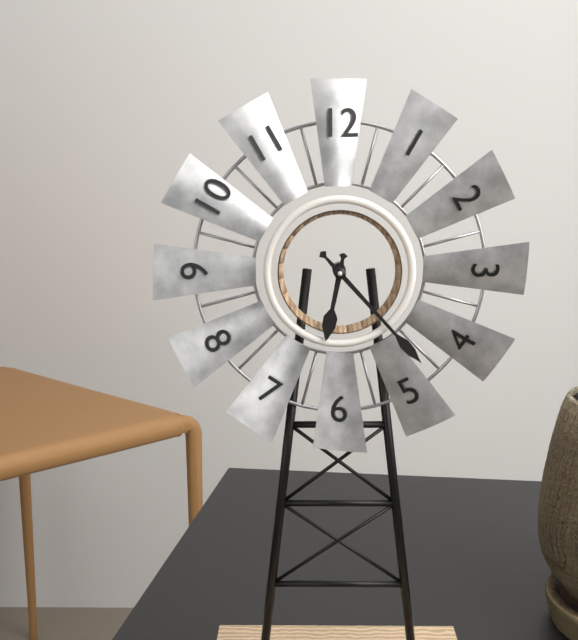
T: **6:23**
